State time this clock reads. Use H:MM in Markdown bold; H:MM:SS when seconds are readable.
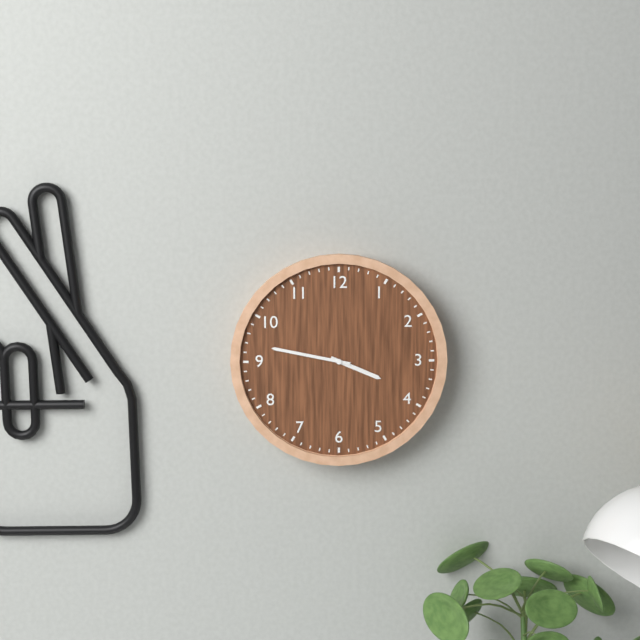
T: **3:47**
